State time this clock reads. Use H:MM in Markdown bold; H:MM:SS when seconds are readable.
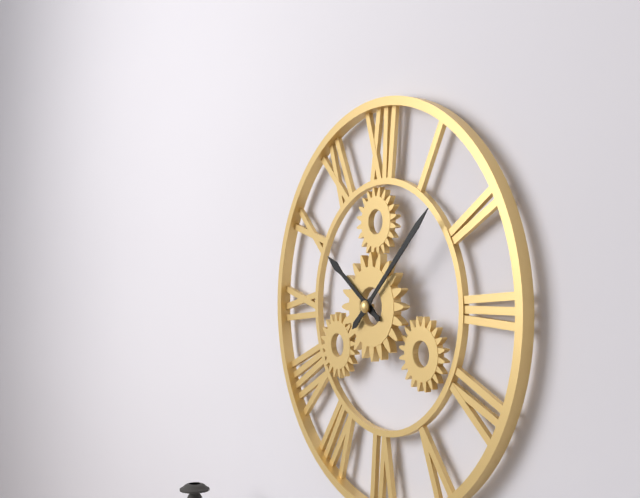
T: **10:08**
